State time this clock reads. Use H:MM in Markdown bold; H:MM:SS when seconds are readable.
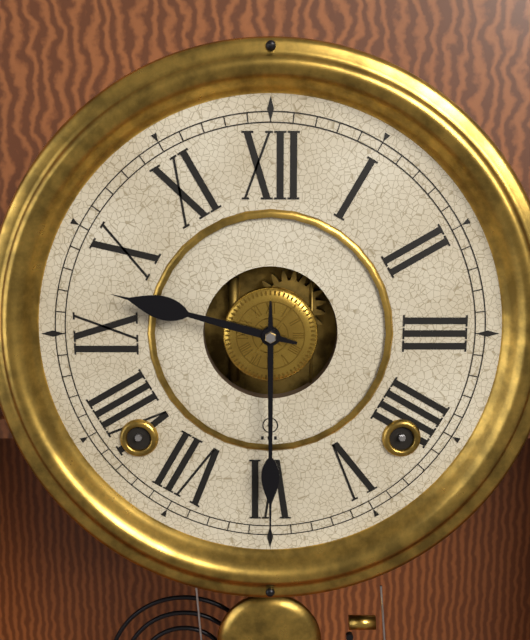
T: **9:30**
